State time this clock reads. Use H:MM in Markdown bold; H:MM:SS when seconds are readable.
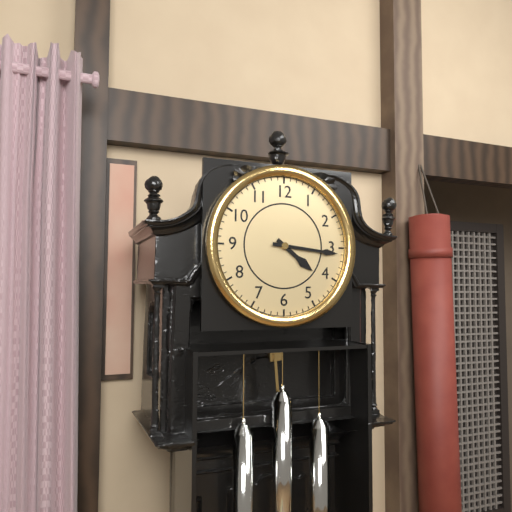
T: **4:16**
